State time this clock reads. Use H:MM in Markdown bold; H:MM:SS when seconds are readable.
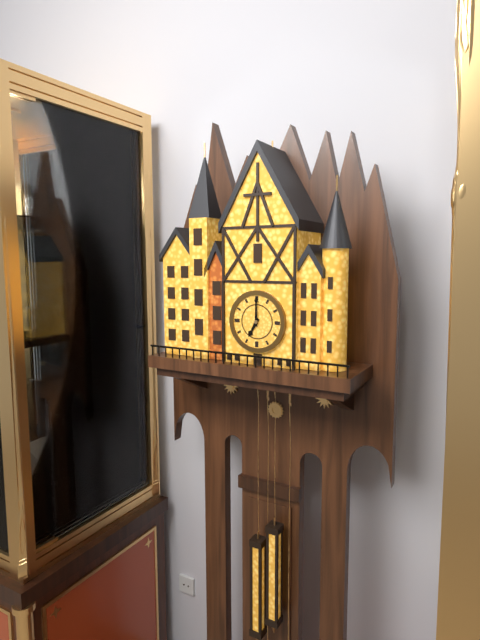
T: **7:00**
